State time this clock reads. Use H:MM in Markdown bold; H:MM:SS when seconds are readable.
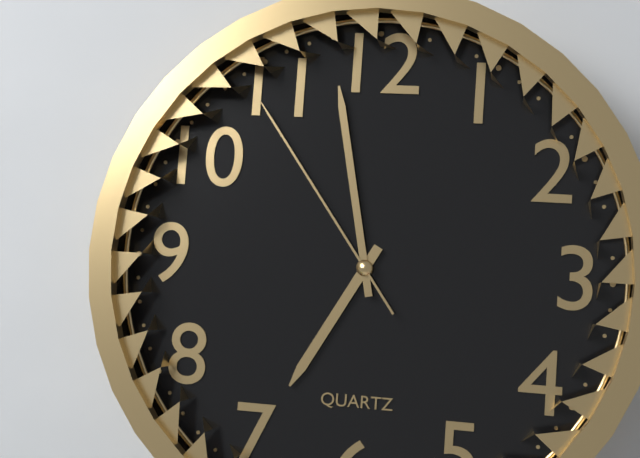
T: **6:58:54**
